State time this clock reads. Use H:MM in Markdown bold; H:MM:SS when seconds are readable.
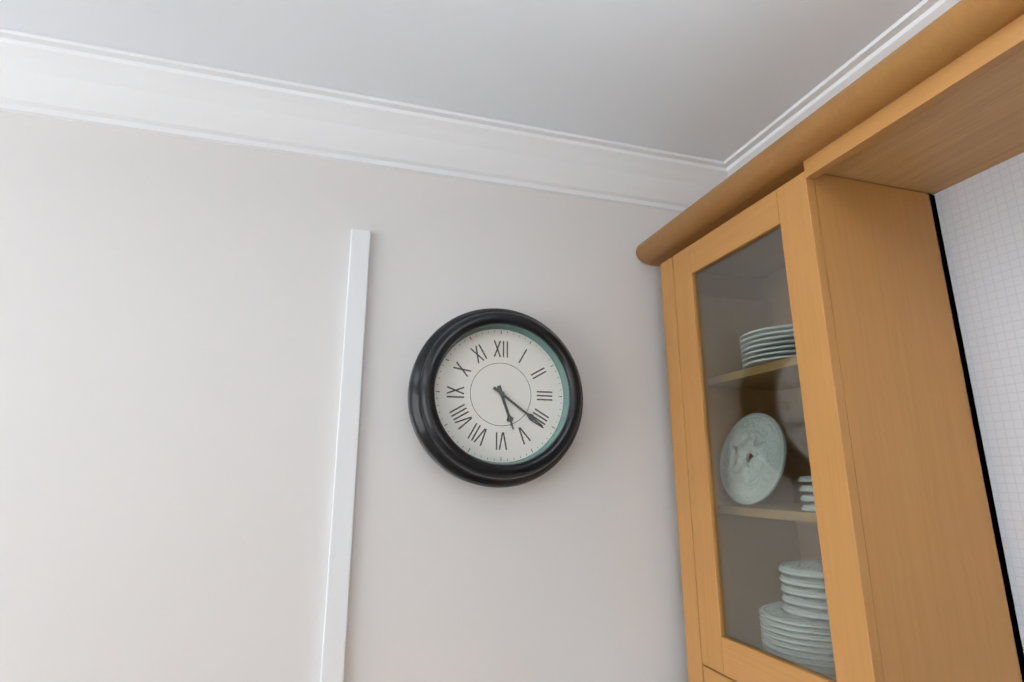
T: **5:21**
